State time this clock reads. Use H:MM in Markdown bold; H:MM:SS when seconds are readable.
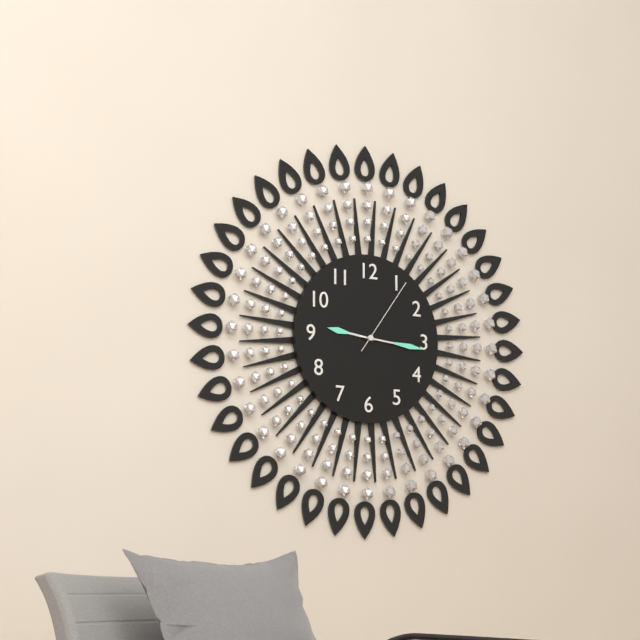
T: **9:16:06**
